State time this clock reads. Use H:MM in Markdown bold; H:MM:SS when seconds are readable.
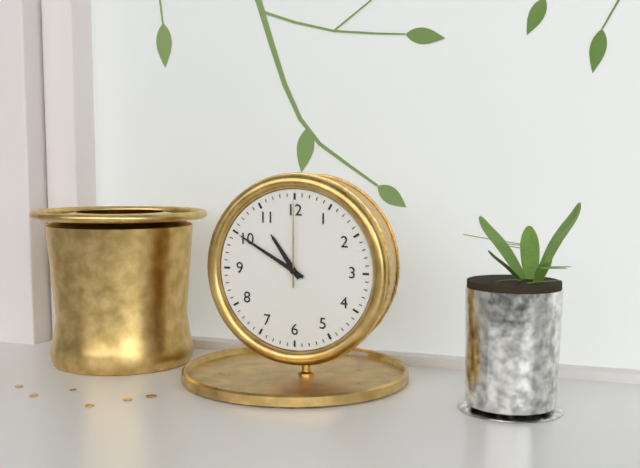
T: **10:50:00**
